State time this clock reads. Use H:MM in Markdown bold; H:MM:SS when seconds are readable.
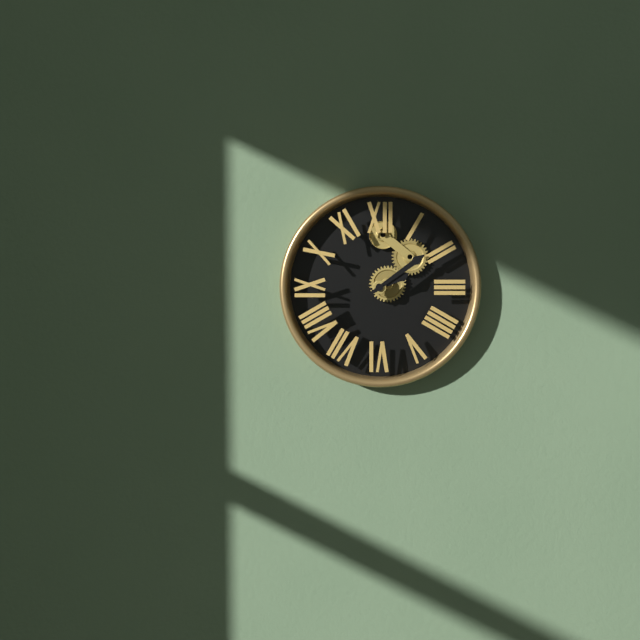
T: **2:09**
